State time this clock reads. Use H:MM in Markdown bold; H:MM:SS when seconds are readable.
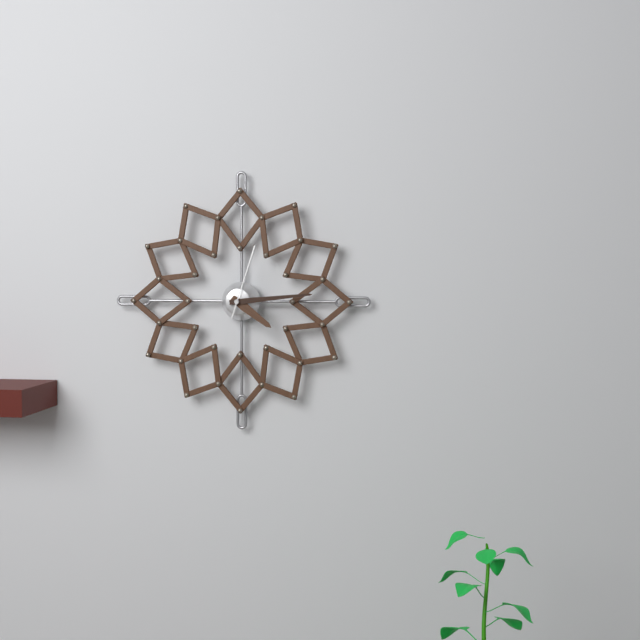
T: **4:14:03**
